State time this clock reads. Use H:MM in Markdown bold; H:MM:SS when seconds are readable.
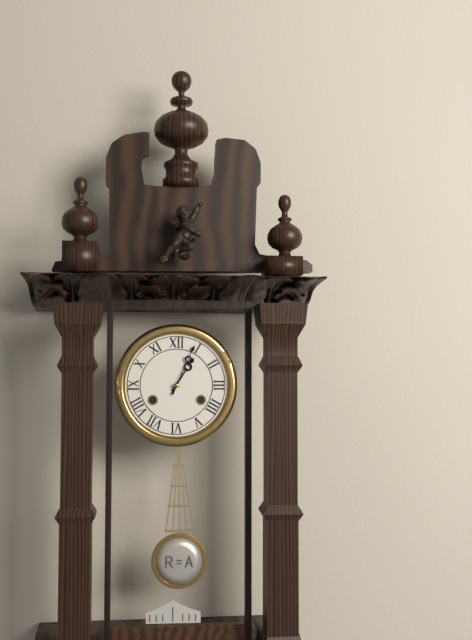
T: **1:04**
